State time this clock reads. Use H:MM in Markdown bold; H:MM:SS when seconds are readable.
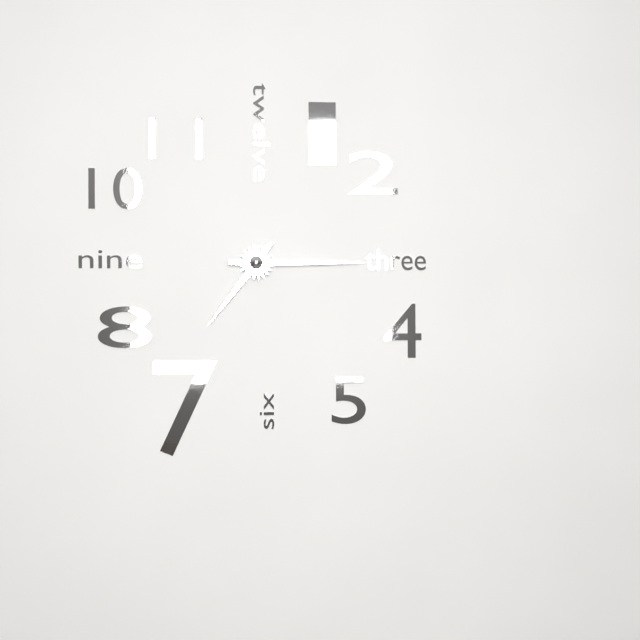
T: **7:15**
